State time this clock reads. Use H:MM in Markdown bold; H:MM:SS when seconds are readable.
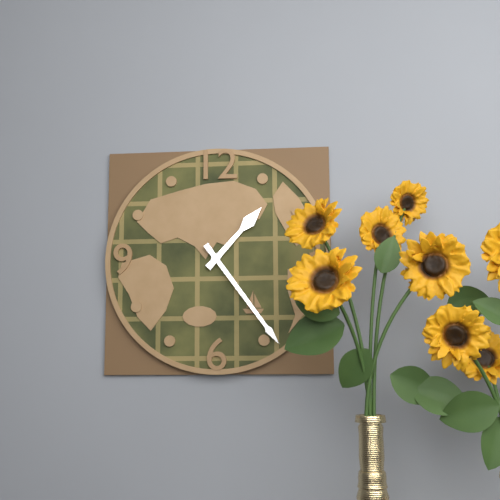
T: **1:24**
